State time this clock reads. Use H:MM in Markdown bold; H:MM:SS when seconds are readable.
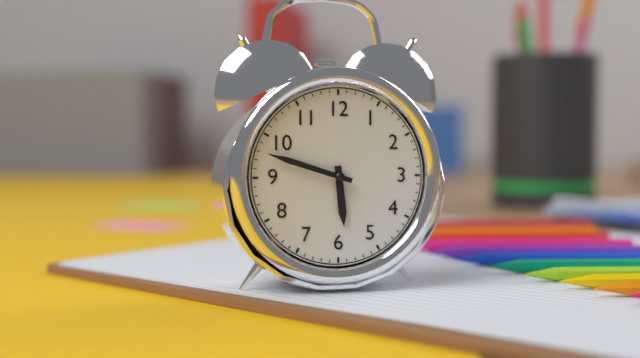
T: **5:48**
